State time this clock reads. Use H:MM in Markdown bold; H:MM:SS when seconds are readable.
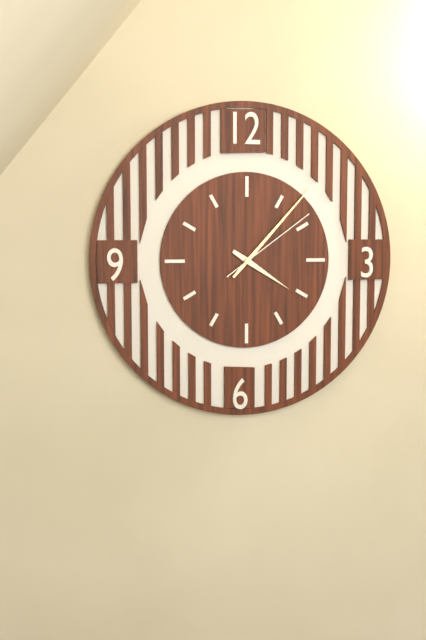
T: **4:07:09**
